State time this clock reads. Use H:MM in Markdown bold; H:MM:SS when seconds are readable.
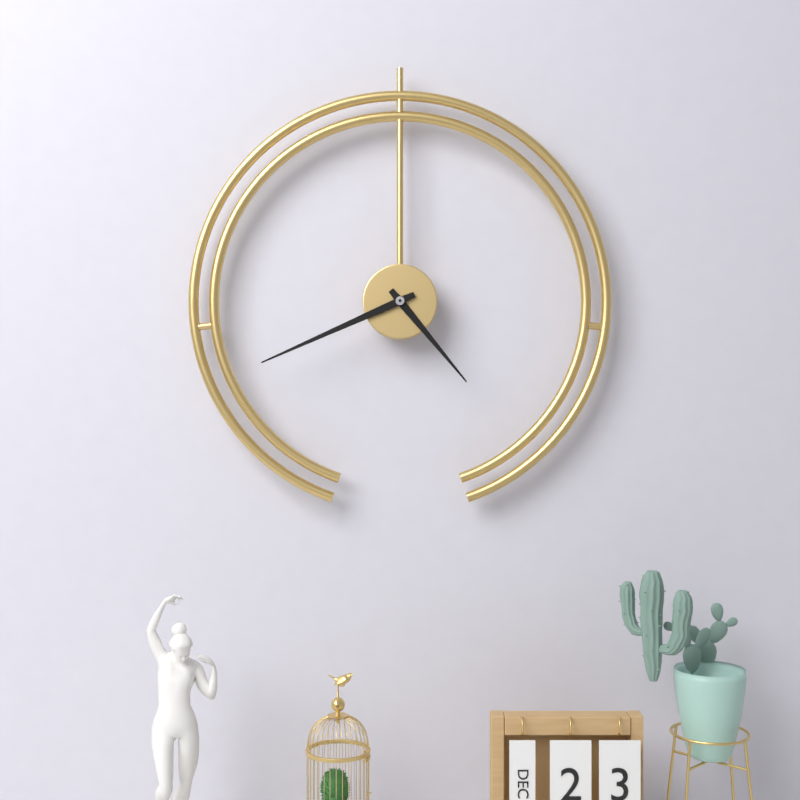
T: **4:41**
